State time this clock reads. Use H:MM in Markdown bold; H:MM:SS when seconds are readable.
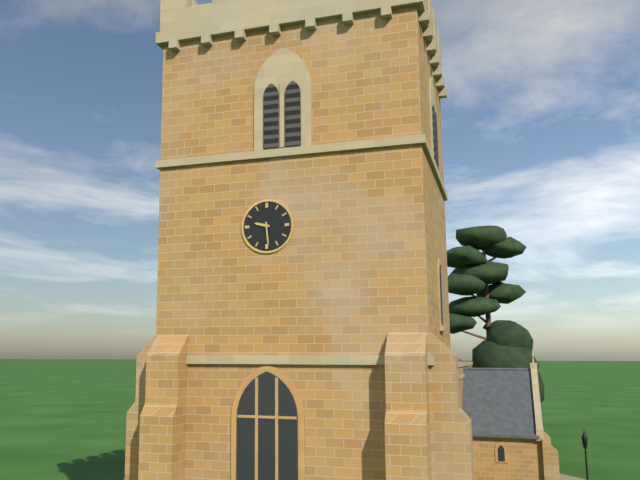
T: **9:29**
